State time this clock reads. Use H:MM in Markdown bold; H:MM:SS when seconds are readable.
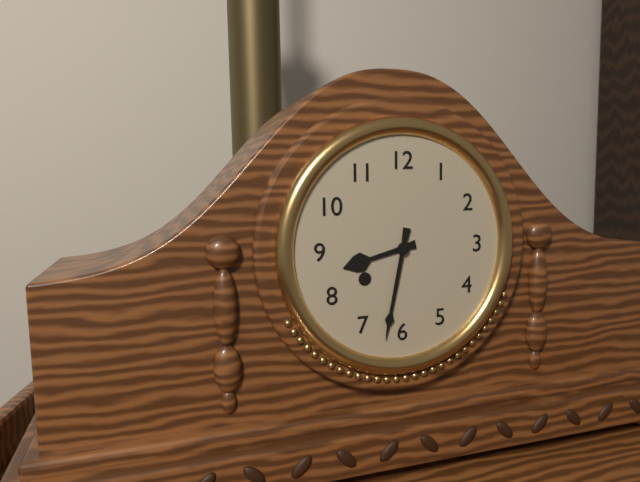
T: **8:32**
